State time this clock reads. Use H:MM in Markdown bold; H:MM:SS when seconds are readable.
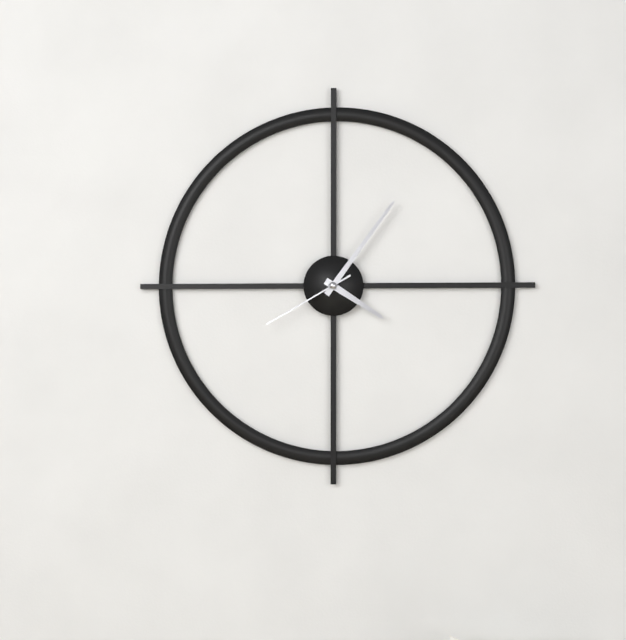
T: **4:06:40**
